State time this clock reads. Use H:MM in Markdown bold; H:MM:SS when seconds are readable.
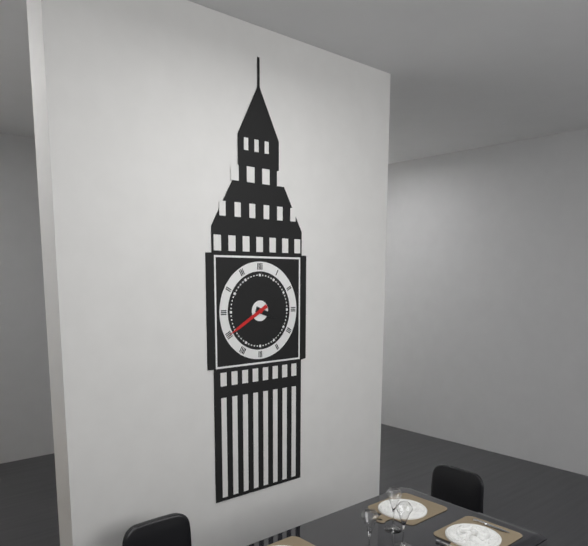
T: **3:40**
